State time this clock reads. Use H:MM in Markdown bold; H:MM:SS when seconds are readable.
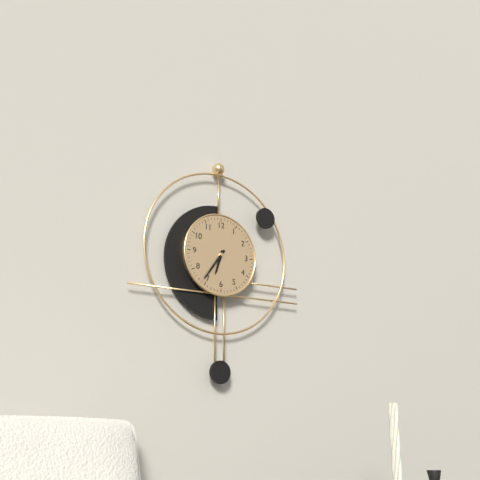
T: **6:36**
